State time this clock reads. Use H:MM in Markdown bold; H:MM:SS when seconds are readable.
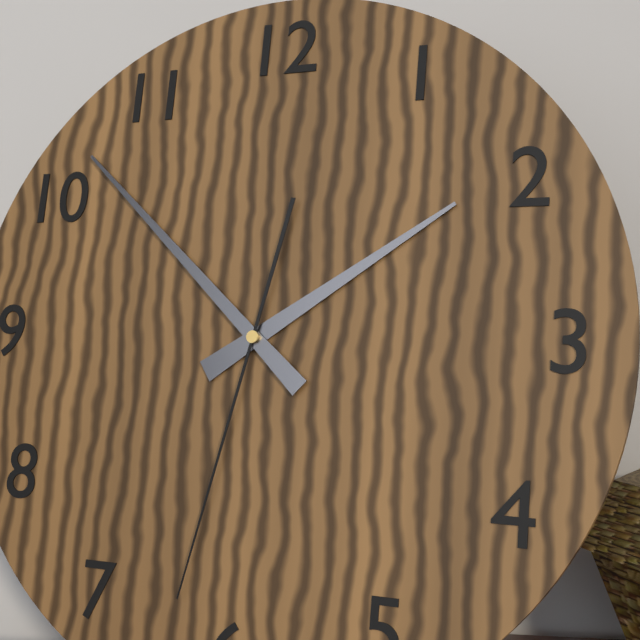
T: **1:52:32**
